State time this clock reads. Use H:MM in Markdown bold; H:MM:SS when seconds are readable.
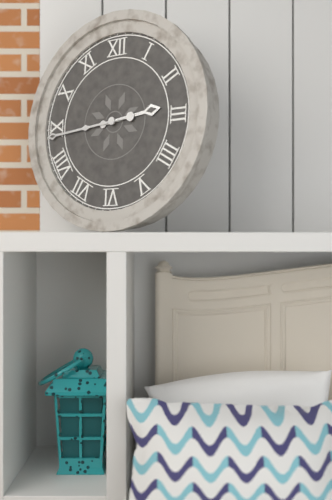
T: **2:44**
